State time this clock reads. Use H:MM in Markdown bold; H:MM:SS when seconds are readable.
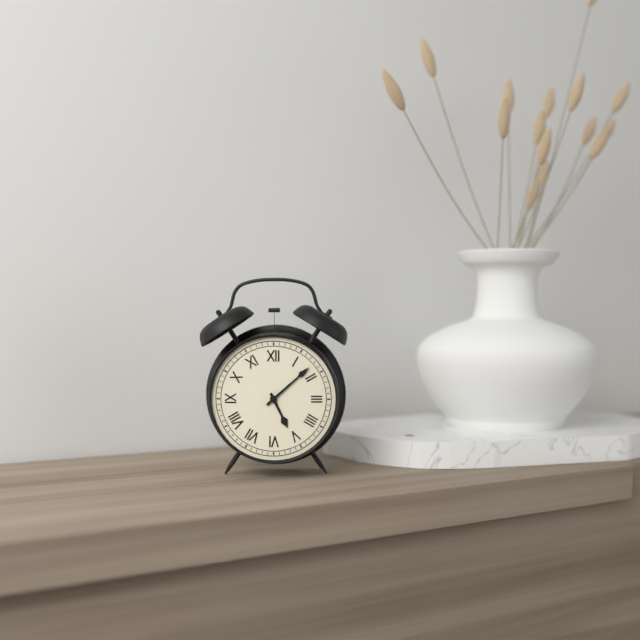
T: **5:08**
